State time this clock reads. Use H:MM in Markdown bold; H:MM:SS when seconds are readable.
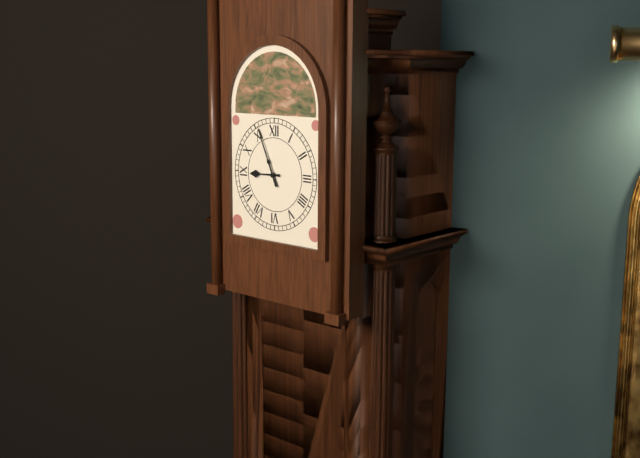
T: **8:56**
